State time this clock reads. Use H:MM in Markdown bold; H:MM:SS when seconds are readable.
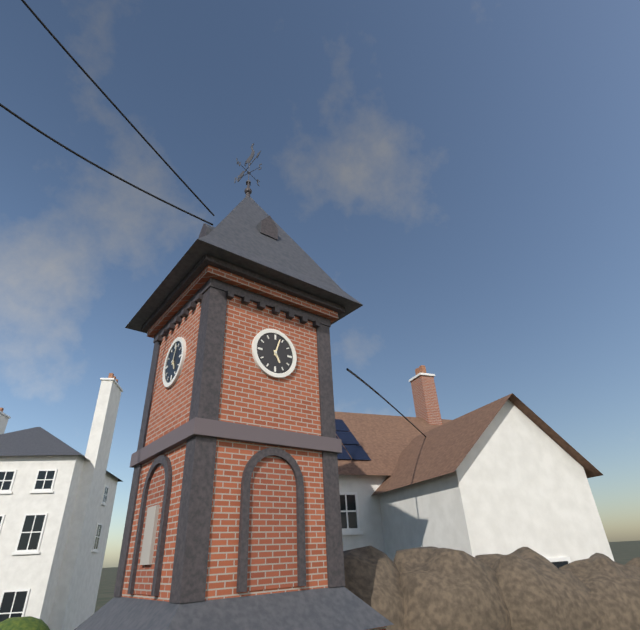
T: **5:03**
